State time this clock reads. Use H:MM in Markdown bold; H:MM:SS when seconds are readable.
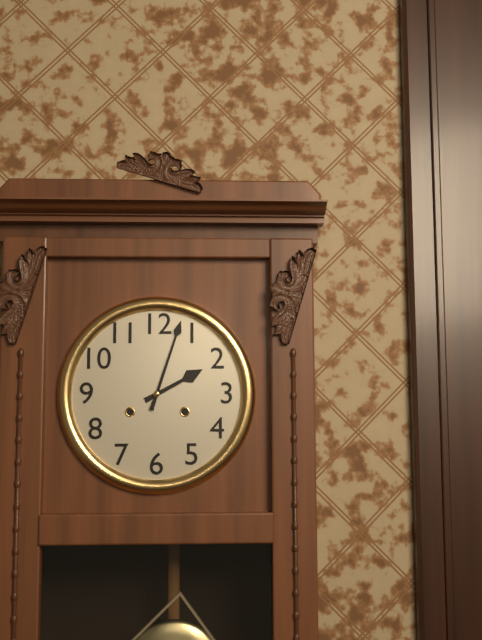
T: **2:03**
